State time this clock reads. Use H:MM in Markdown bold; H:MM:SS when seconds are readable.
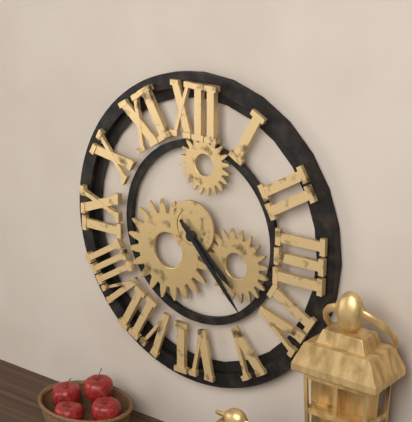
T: **4:23**
